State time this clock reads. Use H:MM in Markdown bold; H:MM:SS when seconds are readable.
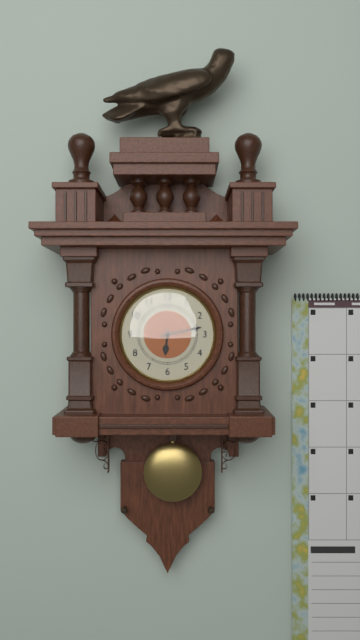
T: **6:13**
